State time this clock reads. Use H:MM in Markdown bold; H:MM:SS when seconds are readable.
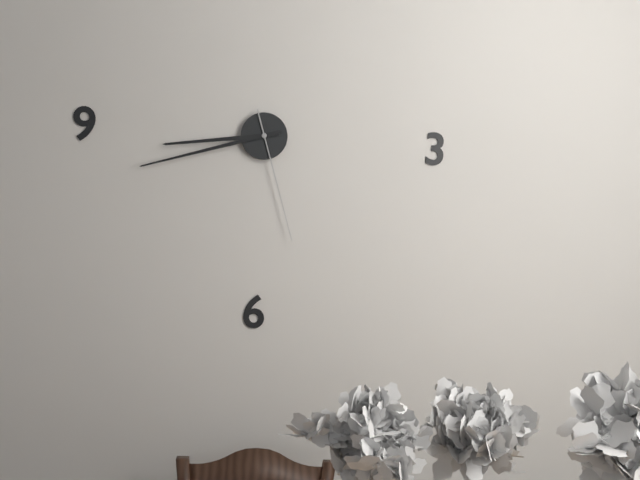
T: **8:42:27**
